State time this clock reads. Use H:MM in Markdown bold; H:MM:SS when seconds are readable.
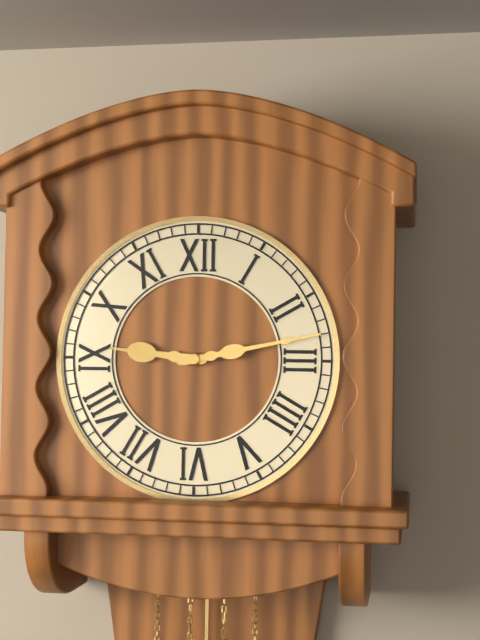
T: **9:13**
